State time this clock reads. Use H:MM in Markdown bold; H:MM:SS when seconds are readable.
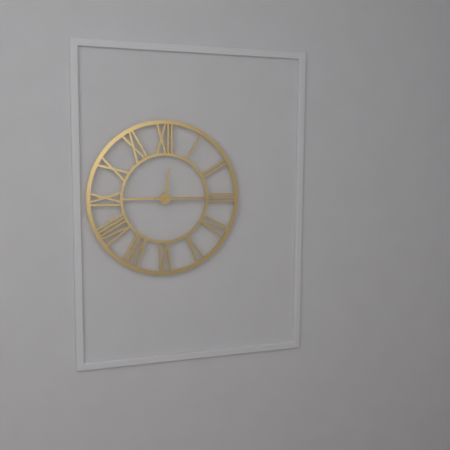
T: **12:15**
